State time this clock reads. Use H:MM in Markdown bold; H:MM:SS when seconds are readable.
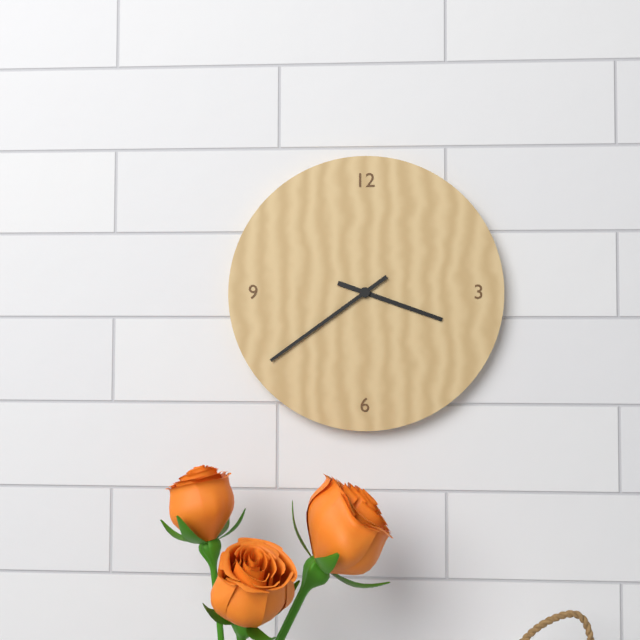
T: **3:39**
